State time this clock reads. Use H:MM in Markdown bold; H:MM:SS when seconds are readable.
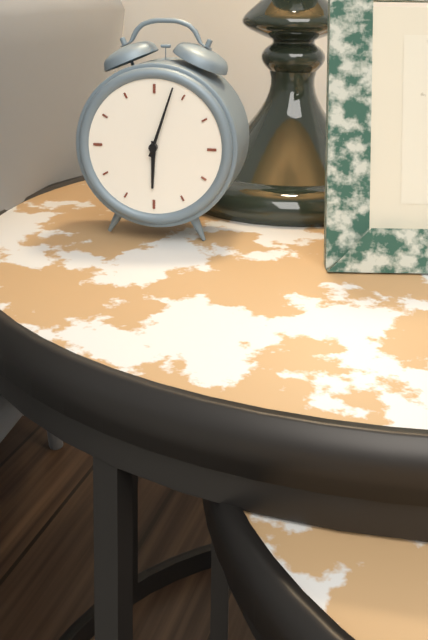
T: **6:03**
